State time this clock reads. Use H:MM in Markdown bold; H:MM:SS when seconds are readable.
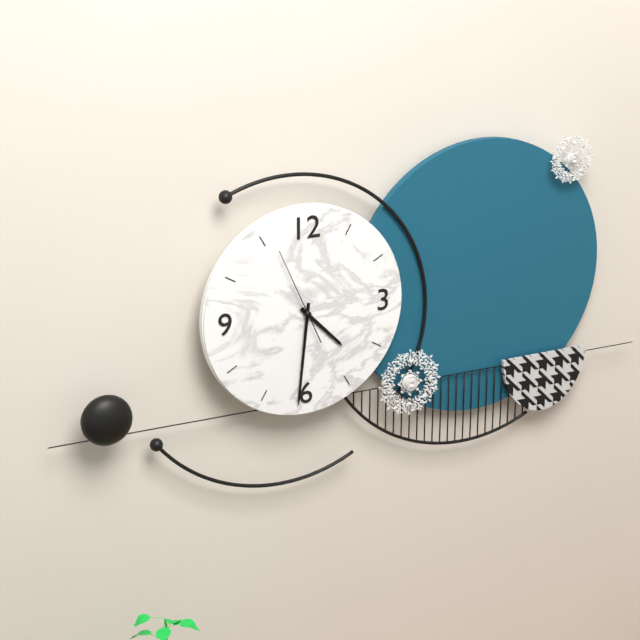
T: **4:31:56**
